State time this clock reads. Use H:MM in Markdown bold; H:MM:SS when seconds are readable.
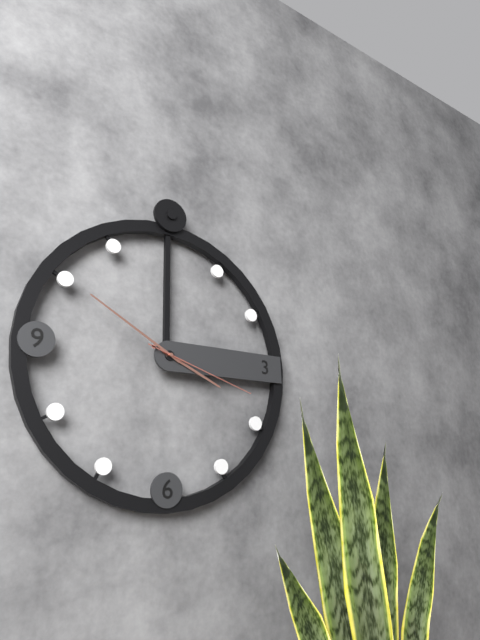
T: **3:50:18**
